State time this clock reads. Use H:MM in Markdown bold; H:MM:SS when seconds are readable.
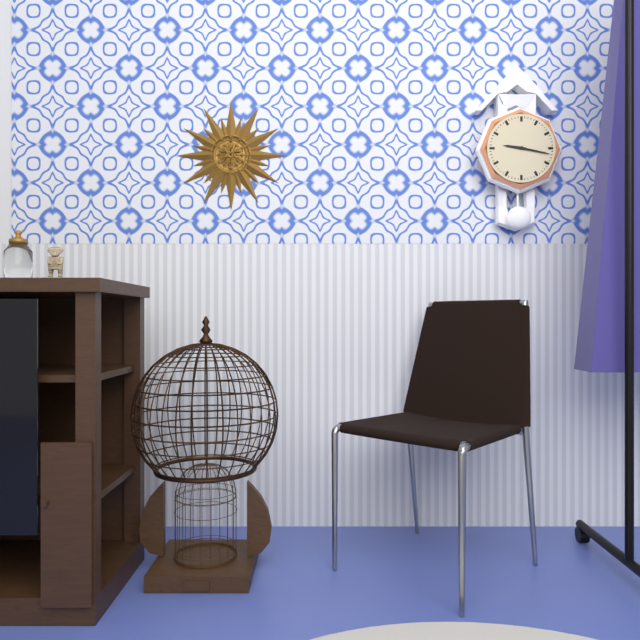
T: **9:17**
